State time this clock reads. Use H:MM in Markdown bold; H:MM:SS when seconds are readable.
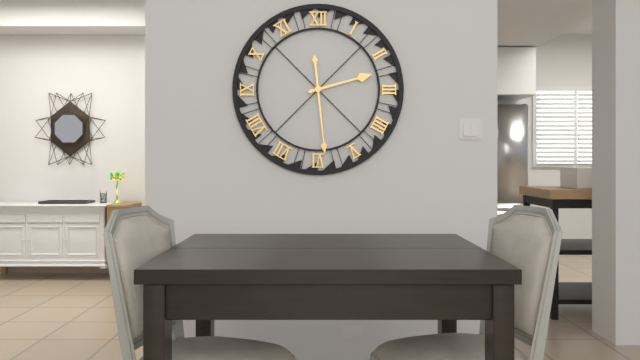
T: **2:29**
